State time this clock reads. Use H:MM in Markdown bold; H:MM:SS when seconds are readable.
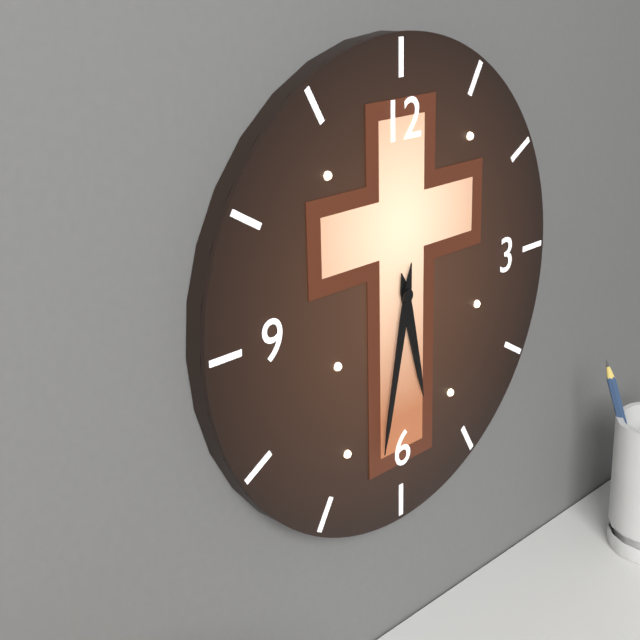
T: **5:32**
